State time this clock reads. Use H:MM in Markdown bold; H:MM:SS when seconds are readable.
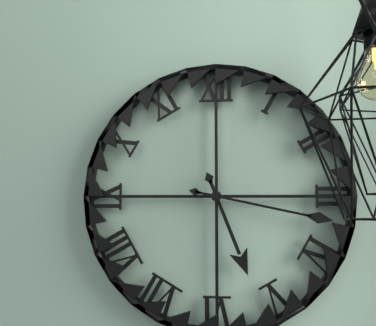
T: **5:17**
